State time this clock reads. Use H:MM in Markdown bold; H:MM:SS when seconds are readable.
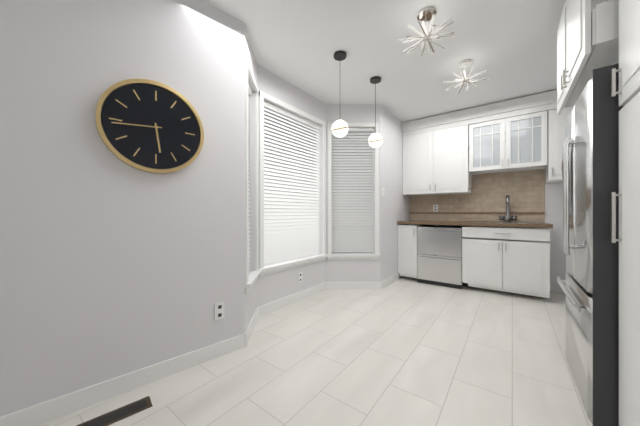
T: **5:44**
